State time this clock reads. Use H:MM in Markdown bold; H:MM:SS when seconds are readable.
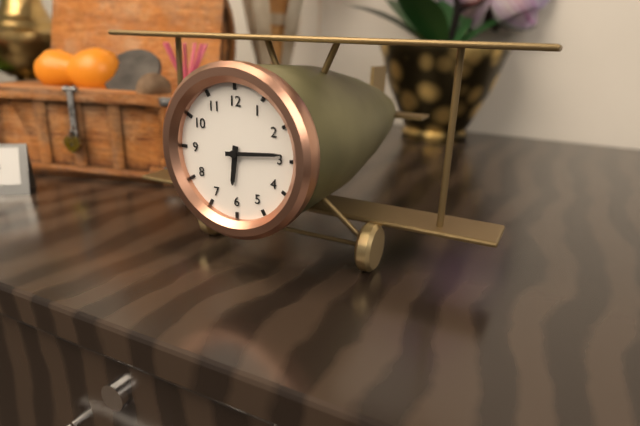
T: **6:14**
